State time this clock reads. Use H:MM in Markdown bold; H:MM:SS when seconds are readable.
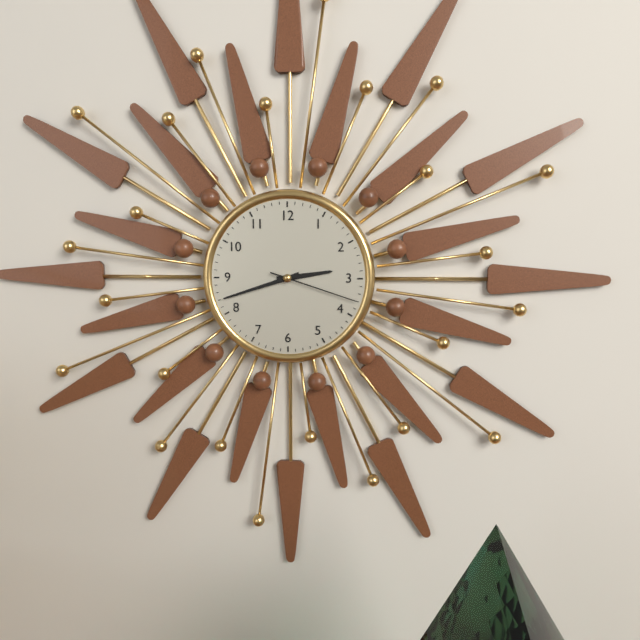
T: **2:42:18**
